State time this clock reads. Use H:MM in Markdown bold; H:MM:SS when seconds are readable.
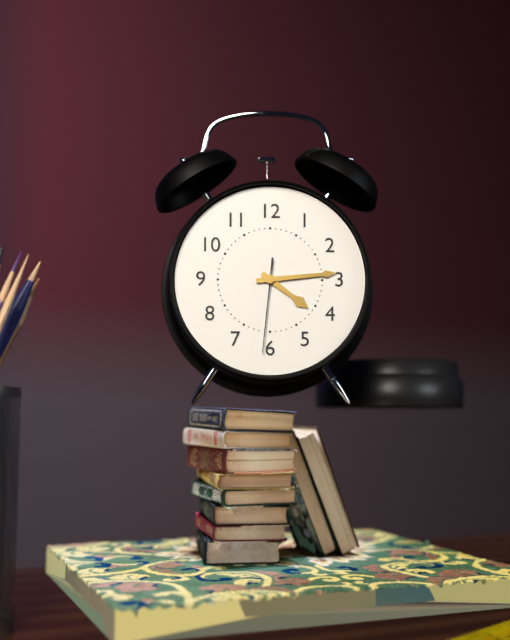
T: **4:14:31**
